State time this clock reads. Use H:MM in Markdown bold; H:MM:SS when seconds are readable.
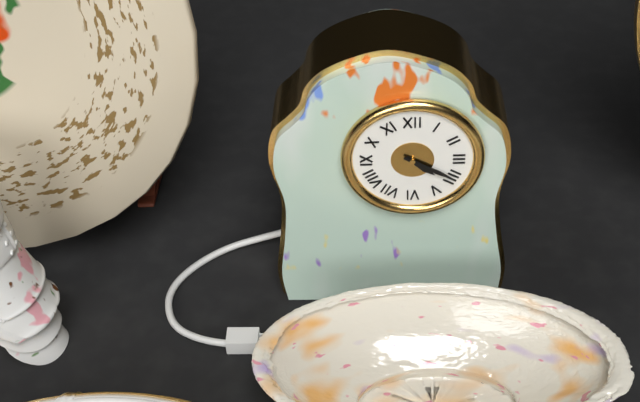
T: **4:20**
